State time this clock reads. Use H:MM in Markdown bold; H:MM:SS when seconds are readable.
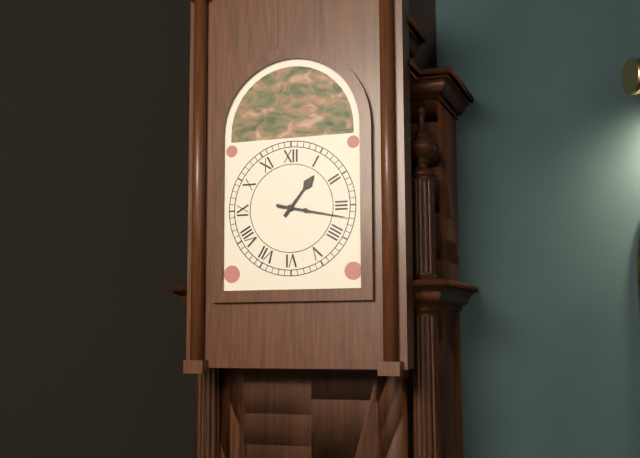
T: **1:17**
